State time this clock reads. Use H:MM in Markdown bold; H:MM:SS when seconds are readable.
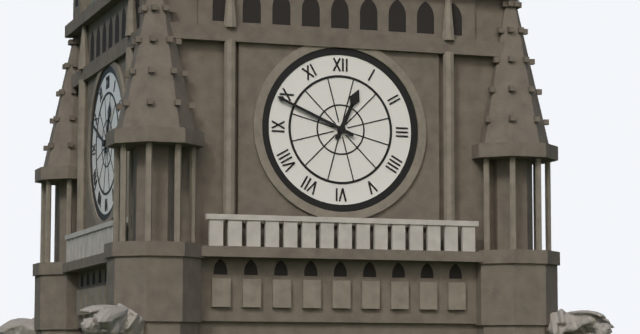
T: **12:49**
